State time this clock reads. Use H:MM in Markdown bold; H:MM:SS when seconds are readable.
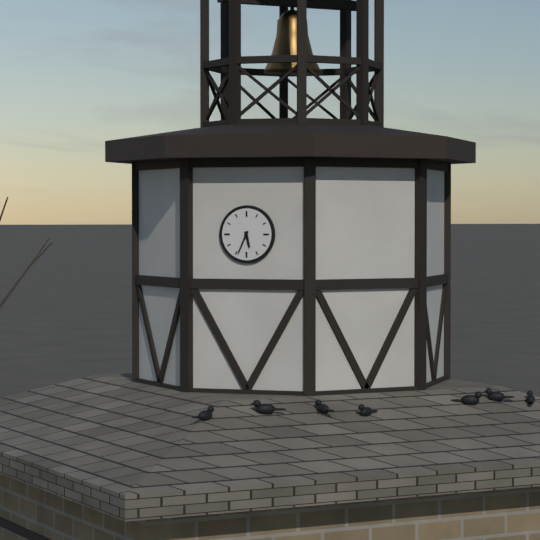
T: **5:34**
